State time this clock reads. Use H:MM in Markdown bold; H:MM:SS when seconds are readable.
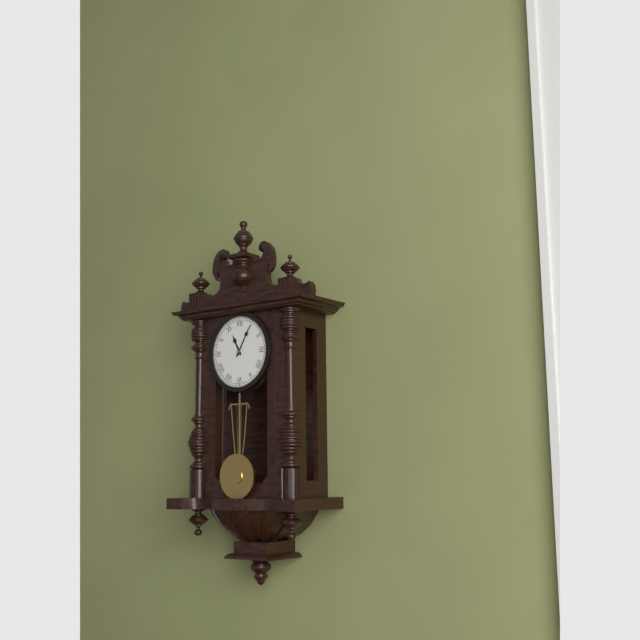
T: **11:05**
